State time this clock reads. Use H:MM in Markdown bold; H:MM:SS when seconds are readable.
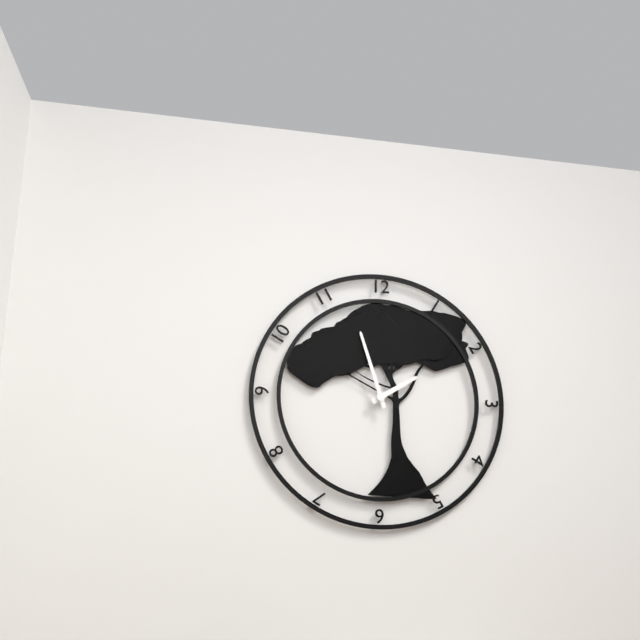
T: **1:57**
